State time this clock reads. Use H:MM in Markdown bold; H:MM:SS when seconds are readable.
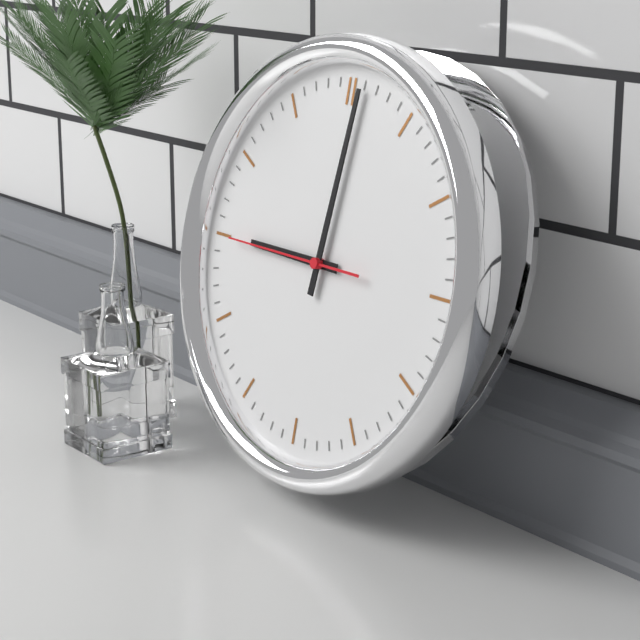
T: **9:01:45**
